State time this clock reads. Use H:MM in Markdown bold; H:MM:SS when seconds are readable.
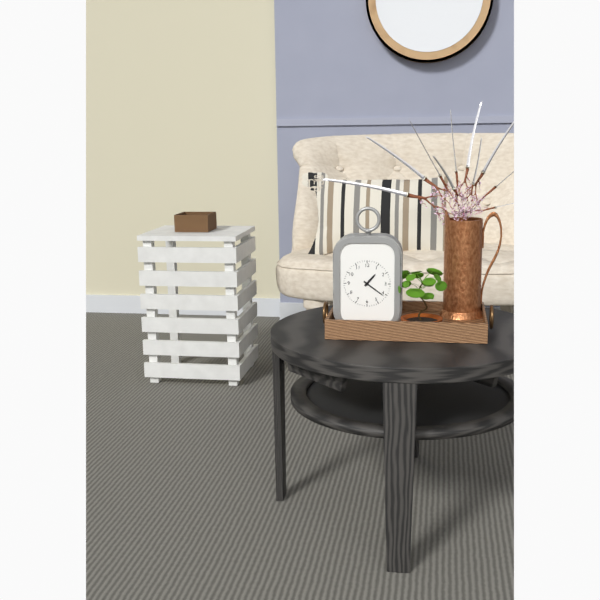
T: **1:21**
